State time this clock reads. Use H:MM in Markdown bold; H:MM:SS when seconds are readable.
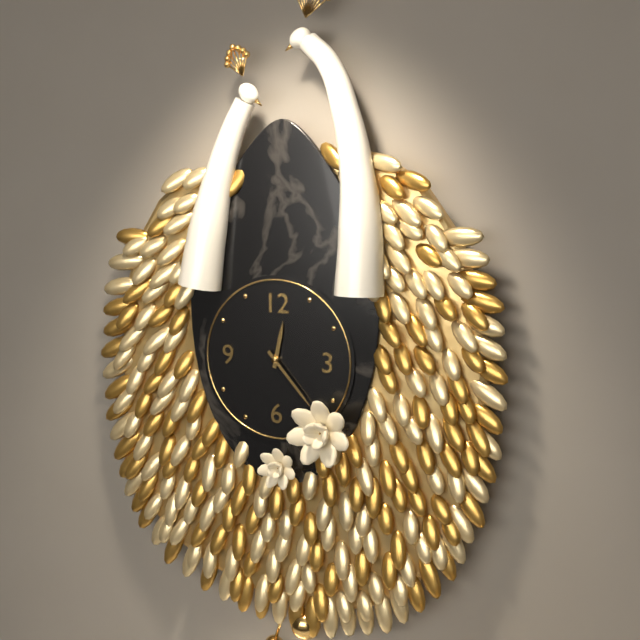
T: **12:23**
